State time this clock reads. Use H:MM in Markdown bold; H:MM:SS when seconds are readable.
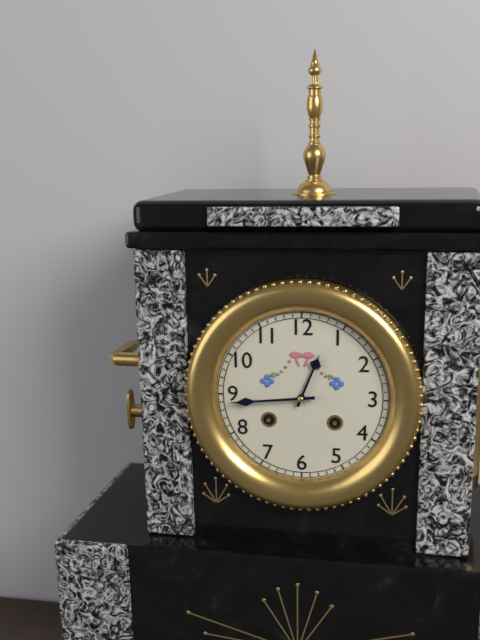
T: **12:44**
